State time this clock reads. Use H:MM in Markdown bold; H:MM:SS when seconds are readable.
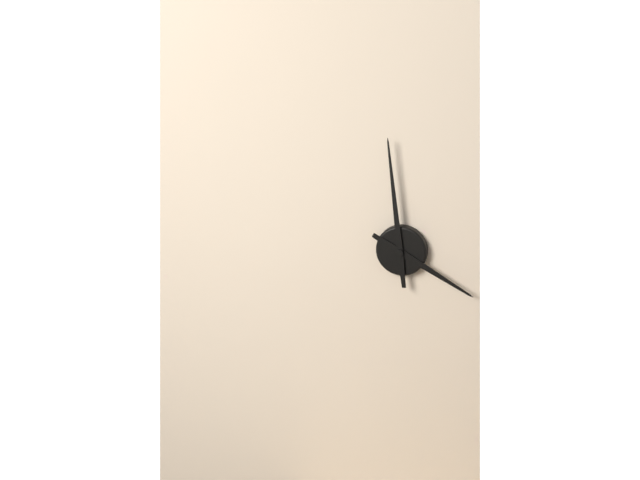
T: **3:59**
